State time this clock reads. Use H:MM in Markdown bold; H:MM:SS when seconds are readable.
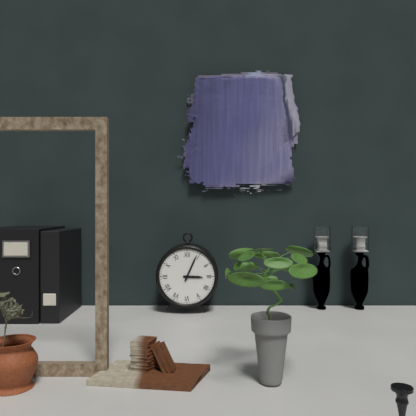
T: **3:04**
